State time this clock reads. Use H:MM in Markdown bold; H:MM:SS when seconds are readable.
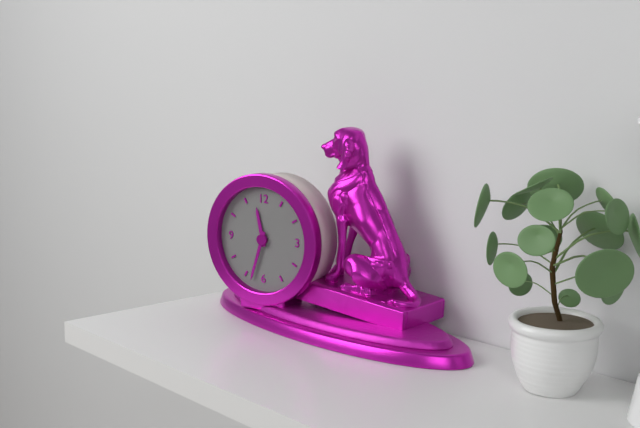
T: **11:33**
